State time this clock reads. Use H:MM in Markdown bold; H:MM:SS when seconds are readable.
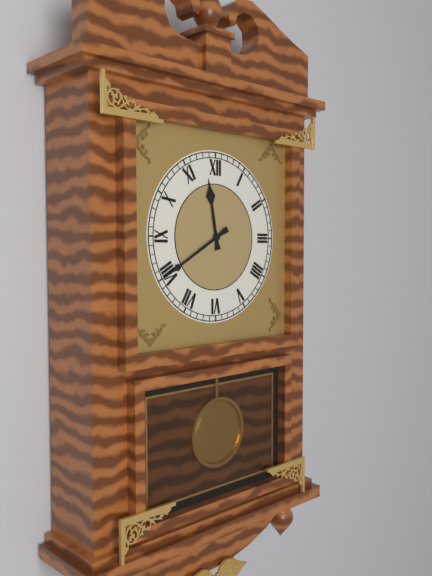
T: **11:40**
